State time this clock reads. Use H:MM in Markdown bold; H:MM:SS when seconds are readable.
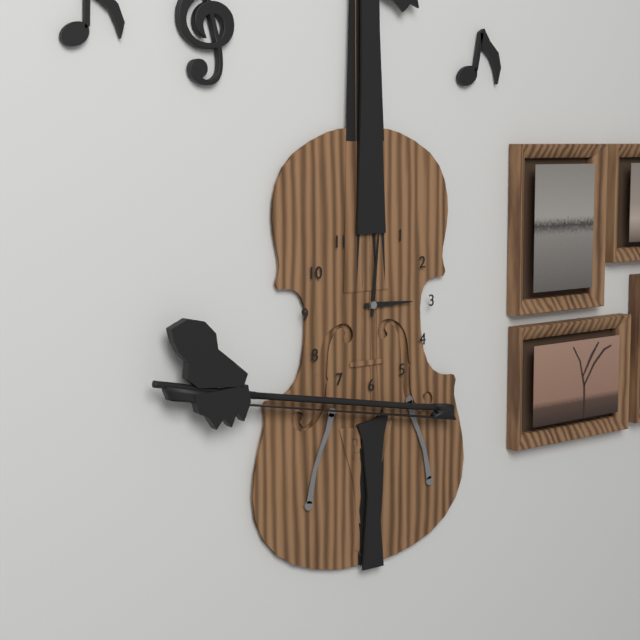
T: **3:01**
